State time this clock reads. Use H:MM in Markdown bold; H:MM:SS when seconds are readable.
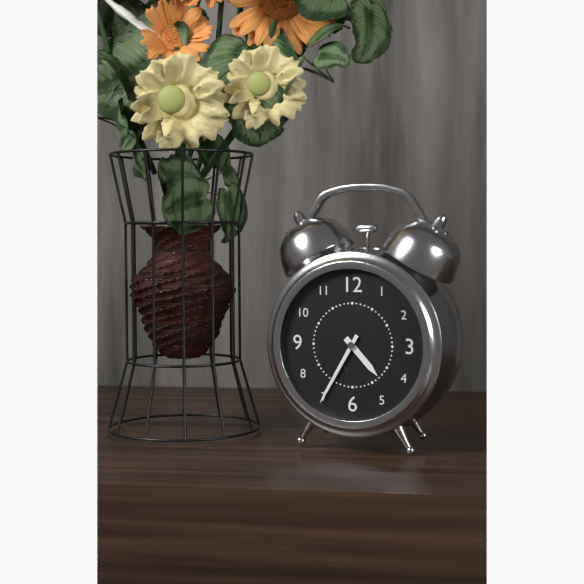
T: **4:35**
